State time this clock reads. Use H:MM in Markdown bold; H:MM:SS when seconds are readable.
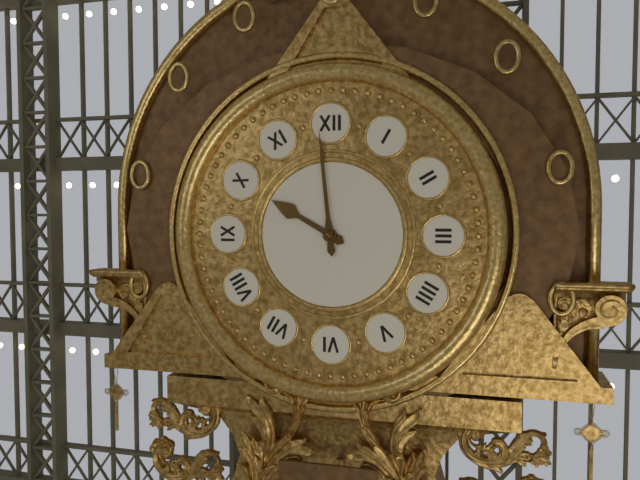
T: **9:59**
